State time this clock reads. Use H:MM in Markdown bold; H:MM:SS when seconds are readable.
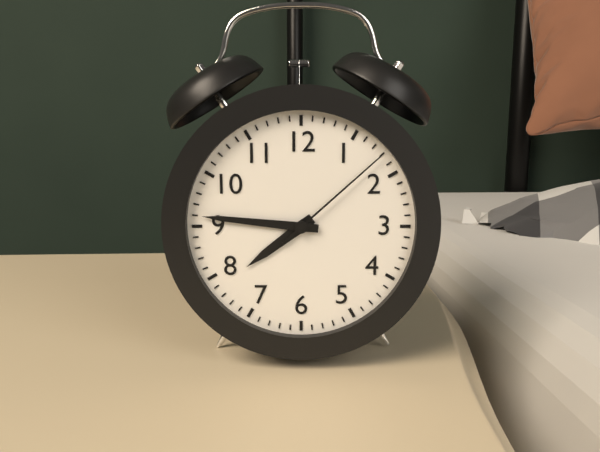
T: **7:46:08**
